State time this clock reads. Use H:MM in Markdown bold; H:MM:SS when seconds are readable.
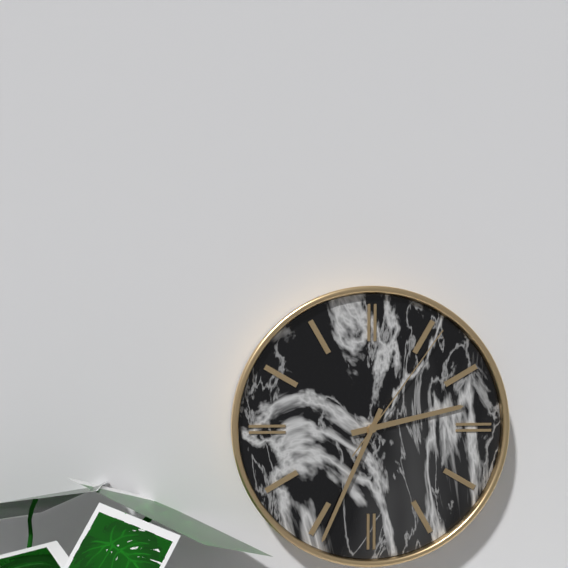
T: **2:34:06**
